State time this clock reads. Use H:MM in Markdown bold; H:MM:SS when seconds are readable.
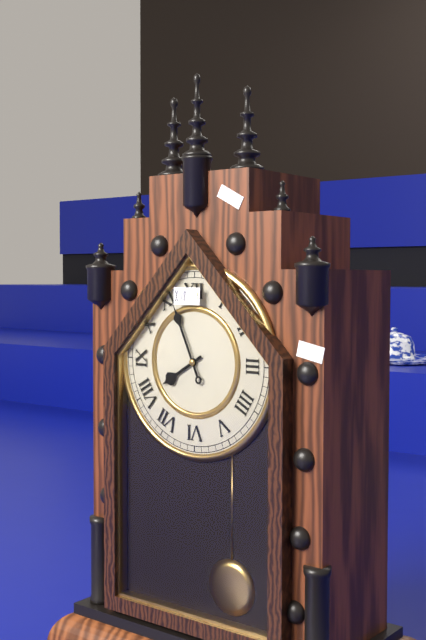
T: **7:56**
